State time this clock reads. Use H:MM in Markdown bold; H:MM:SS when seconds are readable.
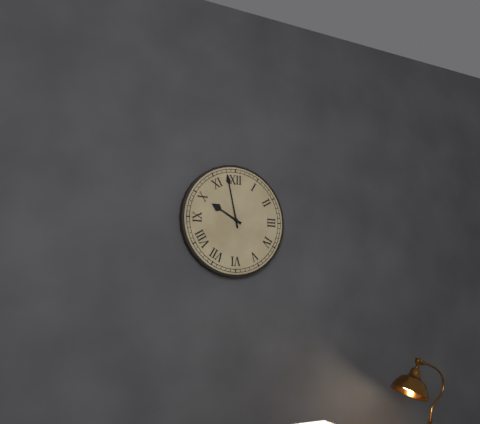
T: **9:58**
